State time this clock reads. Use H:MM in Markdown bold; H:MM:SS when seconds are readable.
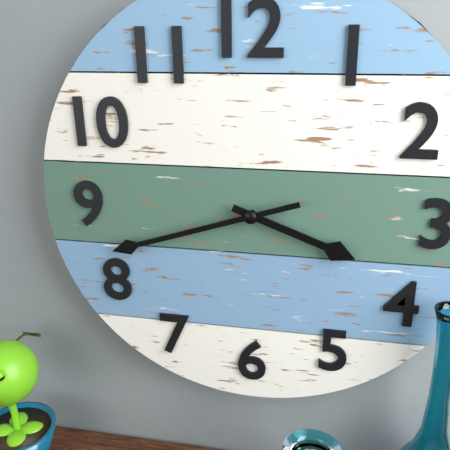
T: **3:42**
